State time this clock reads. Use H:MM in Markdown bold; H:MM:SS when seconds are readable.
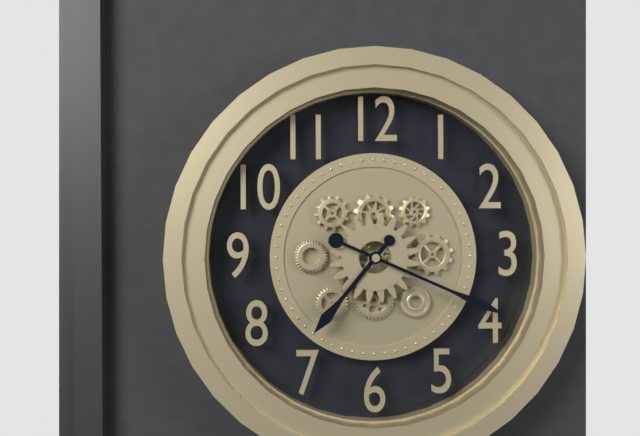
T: **7:19**
